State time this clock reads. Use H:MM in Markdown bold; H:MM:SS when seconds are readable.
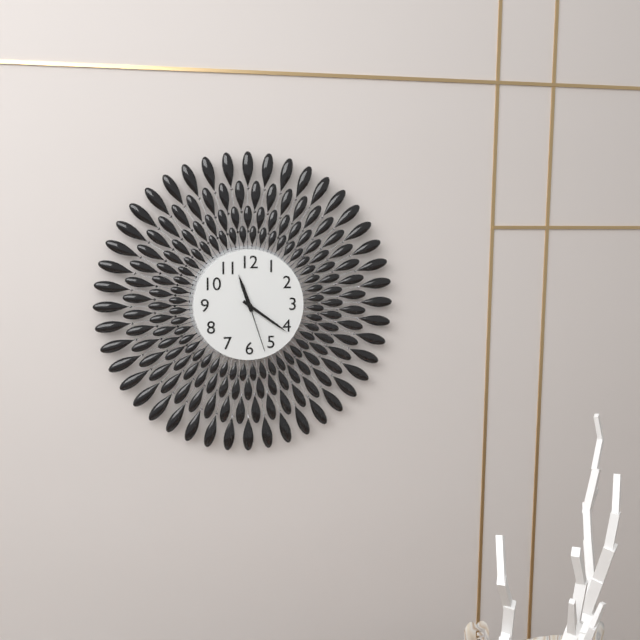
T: **11:21:27**
